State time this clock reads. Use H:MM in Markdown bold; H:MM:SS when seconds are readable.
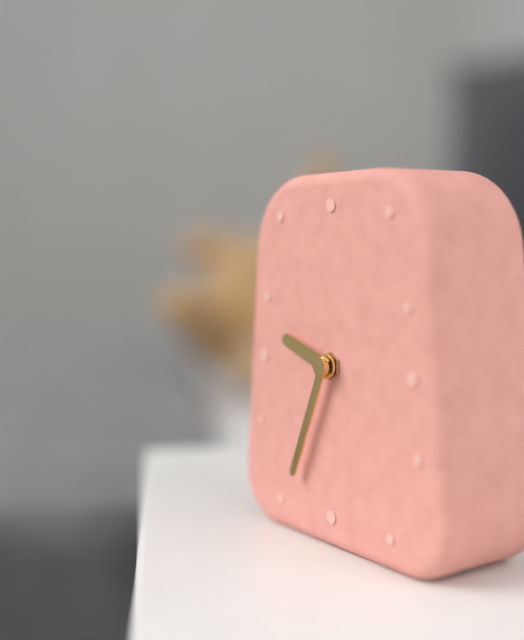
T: **9:34**
